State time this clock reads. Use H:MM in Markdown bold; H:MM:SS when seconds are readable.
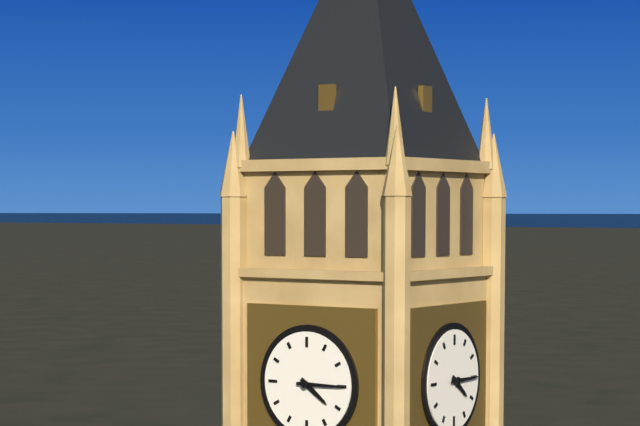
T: **4:15**
